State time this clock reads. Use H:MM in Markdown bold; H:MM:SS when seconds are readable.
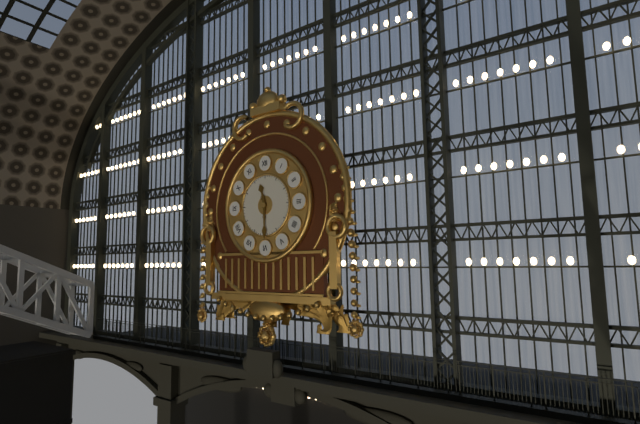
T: **11:30**
